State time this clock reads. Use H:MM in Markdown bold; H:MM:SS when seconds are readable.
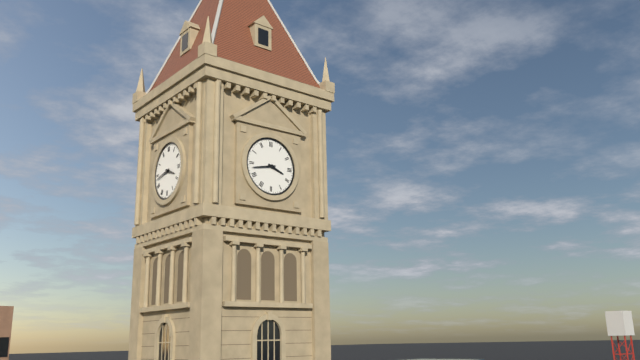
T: **3:43**
